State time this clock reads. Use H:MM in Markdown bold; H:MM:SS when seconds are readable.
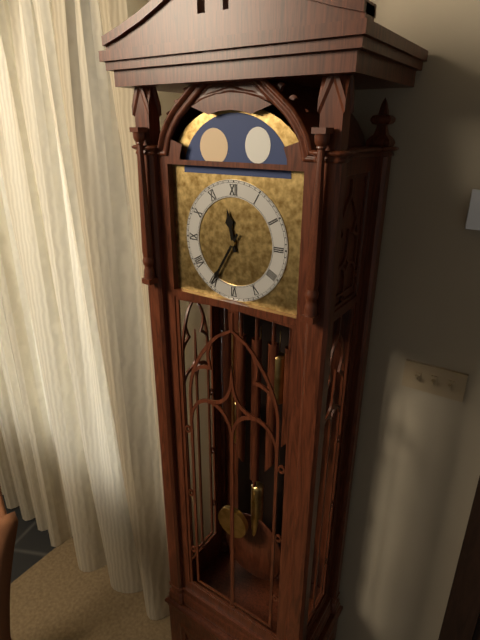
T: **11:35**
